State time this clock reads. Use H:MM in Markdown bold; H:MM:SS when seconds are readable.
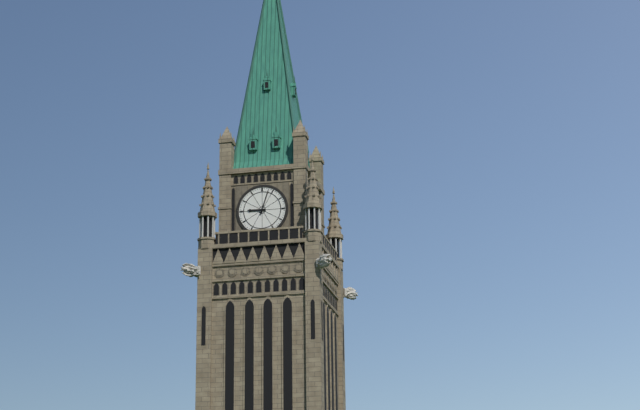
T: **9:03**
